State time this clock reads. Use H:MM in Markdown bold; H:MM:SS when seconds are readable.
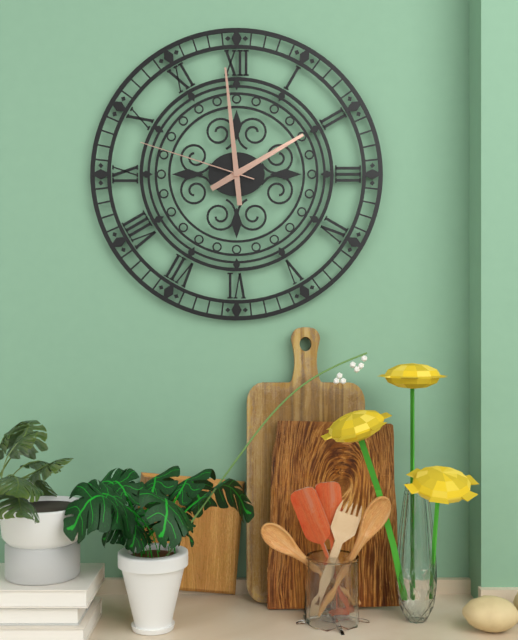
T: **1:59:48**
